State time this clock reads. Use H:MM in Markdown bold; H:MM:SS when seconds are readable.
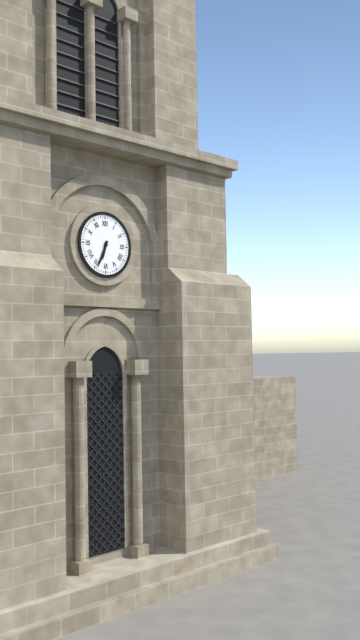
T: **6:34**
